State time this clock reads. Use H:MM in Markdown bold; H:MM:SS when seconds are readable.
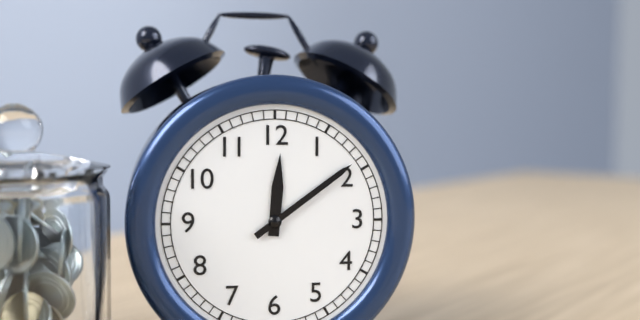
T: **12:09**
